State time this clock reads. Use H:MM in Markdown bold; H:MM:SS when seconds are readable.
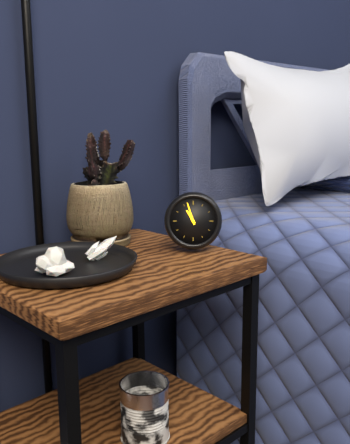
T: **10:57**
